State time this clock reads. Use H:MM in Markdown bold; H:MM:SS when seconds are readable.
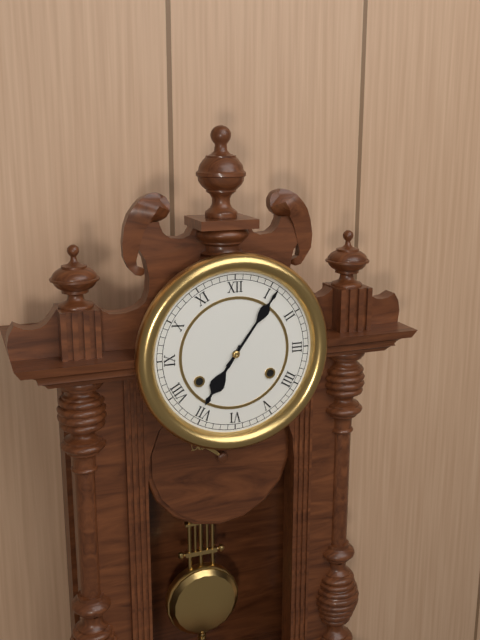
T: **7:06**
